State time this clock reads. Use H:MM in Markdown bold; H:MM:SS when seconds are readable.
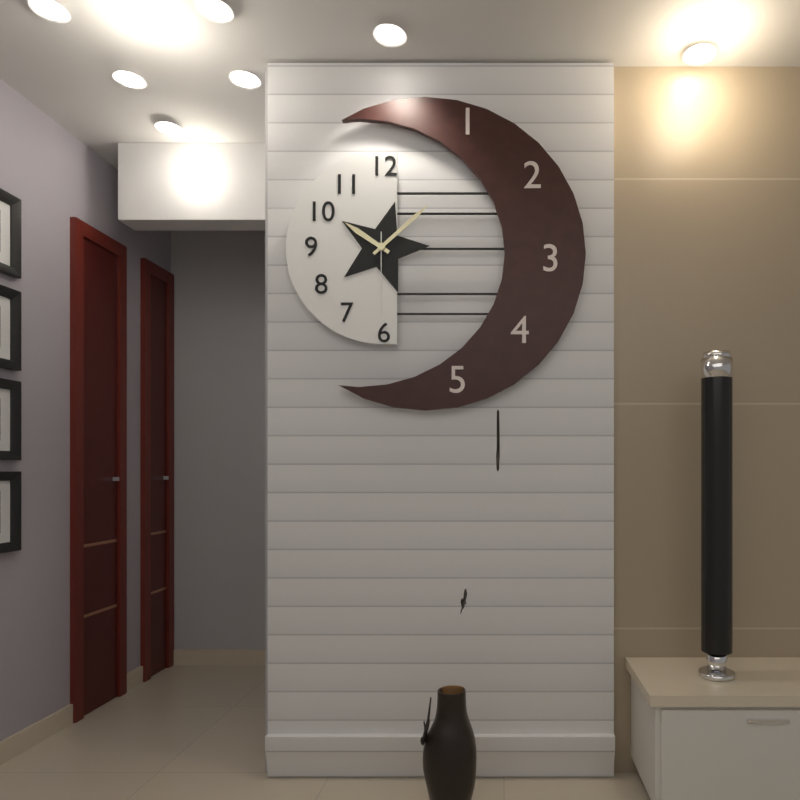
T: **10:08:30**
